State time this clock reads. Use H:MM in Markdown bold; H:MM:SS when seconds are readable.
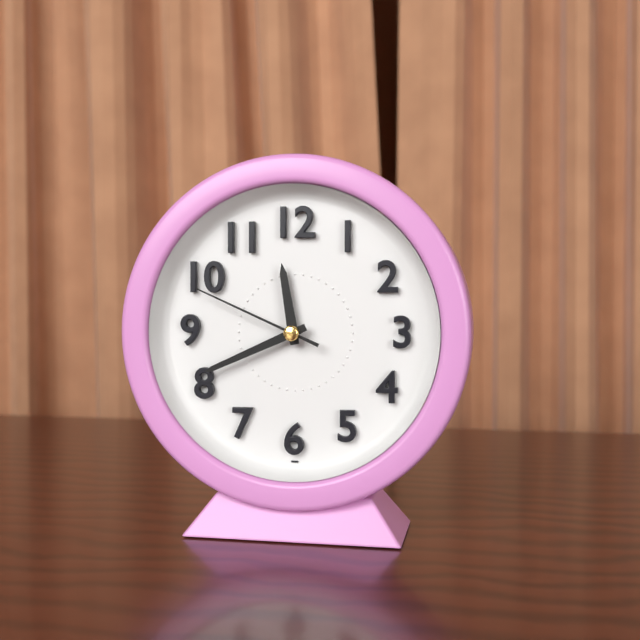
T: **11:41:49**
